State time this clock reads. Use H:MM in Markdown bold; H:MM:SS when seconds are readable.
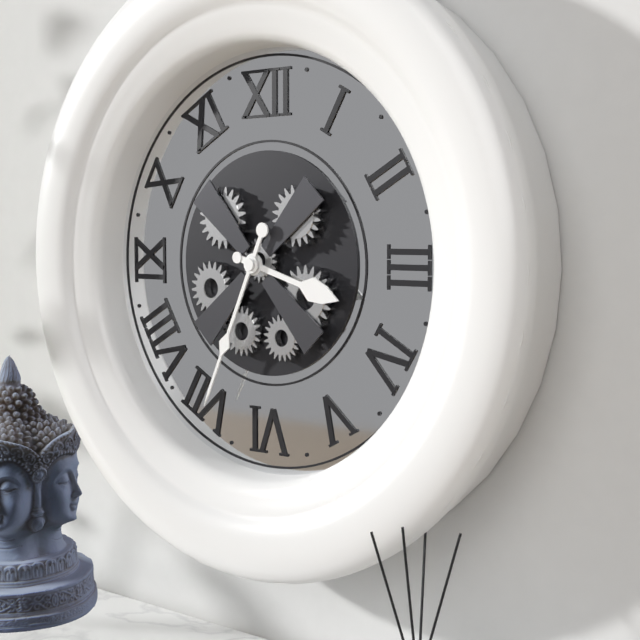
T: **3:34**
